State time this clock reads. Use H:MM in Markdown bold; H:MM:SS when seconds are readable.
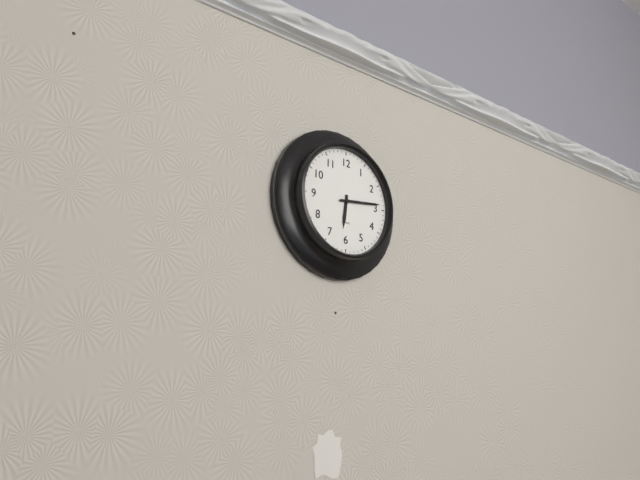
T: **6:14**
